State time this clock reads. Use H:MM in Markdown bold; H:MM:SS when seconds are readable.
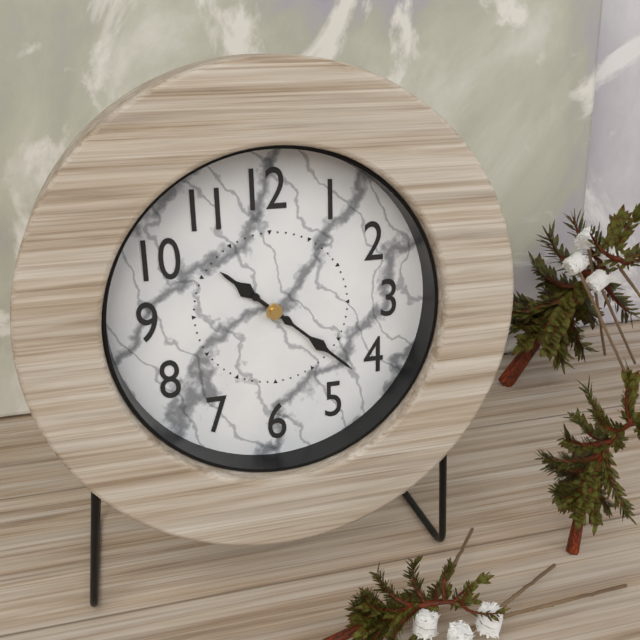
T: **10:22**
